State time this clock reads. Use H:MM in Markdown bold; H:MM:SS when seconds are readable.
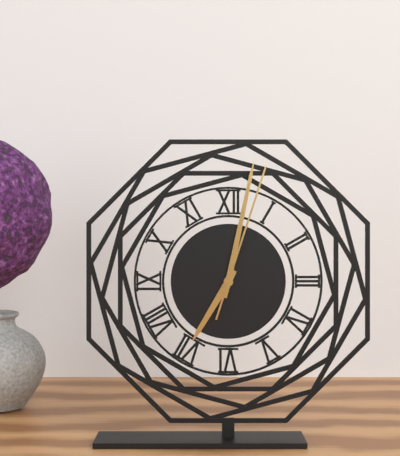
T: **7:02:03**
